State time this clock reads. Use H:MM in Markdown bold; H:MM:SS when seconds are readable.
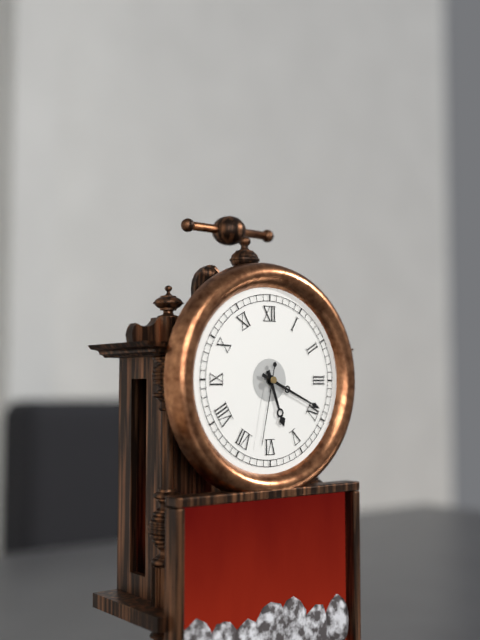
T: **5:19:32**
